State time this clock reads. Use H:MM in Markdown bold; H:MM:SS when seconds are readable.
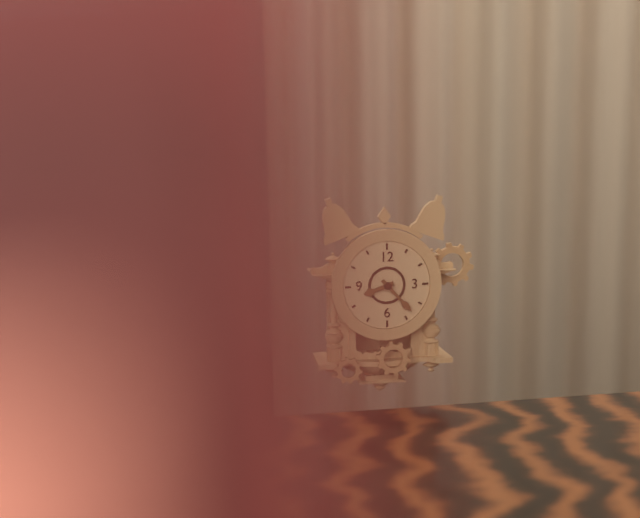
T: **8:23**
